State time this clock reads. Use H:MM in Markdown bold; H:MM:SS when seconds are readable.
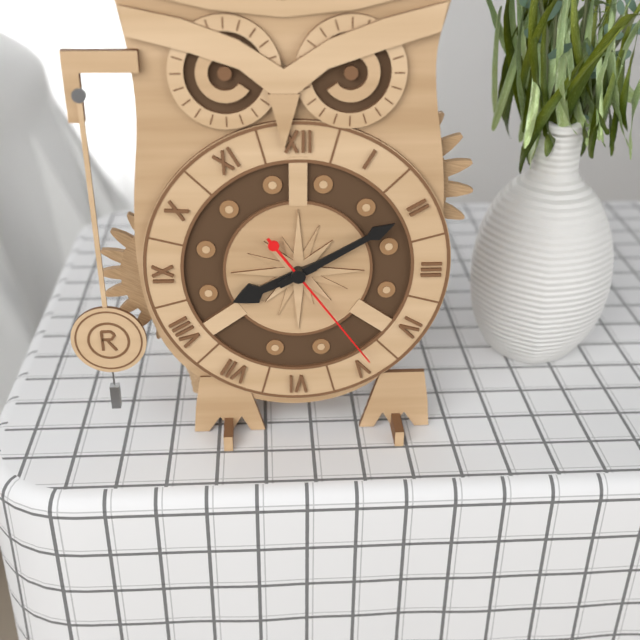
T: **8:10:24**
